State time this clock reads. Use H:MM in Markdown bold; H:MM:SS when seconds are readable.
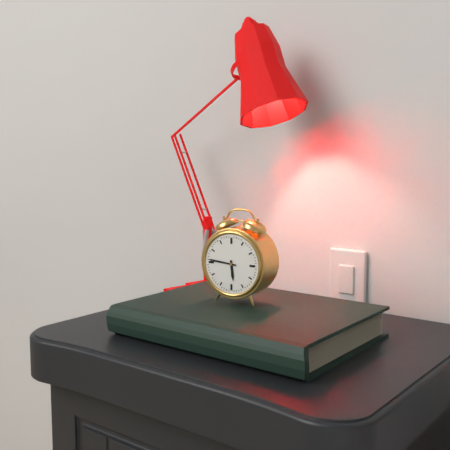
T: **5:46**
